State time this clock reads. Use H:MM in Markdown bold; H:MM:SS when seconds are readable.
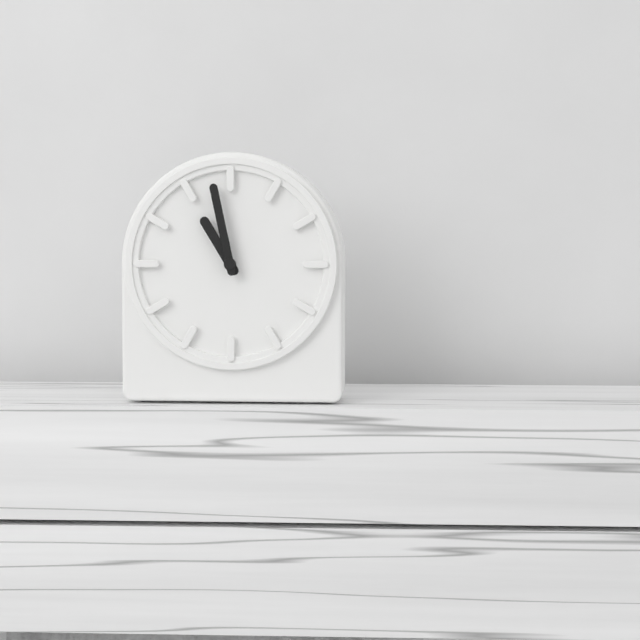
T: **10:58**
